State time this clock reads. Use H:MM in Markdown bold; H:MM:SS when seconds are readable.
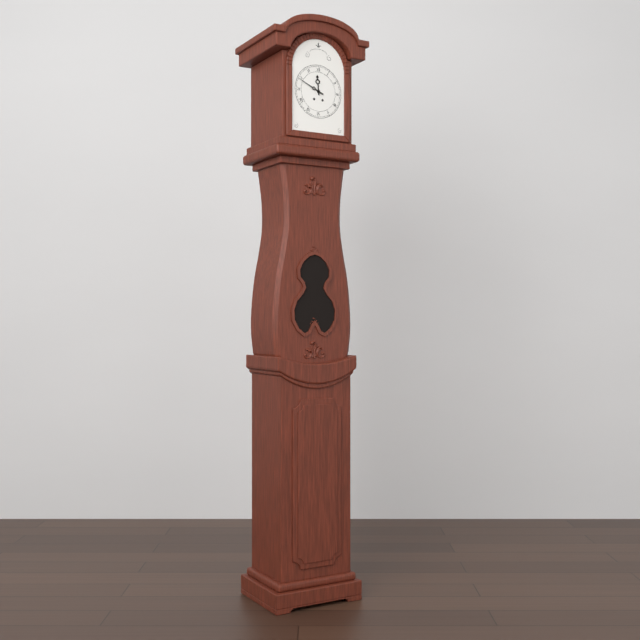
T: **11:49**
